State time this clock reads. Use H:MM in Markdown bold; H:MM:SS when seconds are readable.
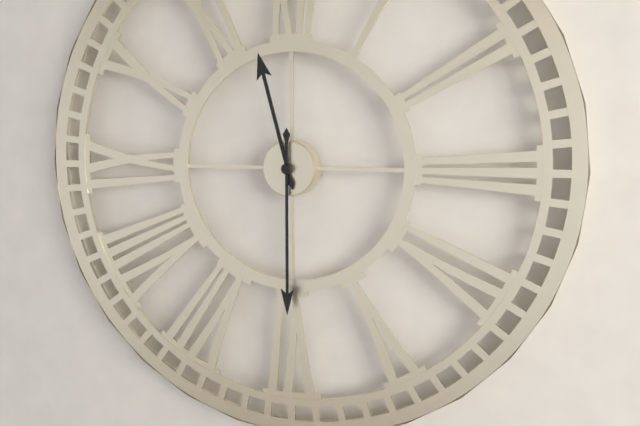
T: **11:30**
